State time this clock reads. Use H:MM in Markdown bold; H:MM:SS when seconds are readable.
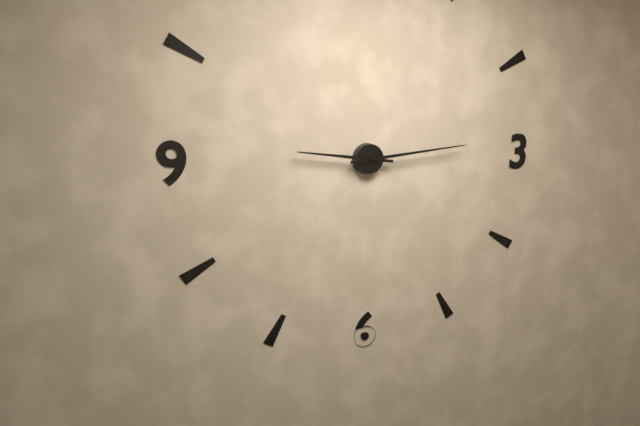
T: **9:14**
